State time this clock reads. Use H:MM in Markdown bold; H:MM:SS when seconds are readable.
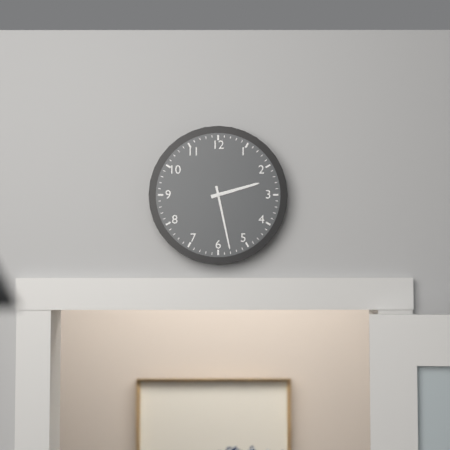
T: **2:28**
